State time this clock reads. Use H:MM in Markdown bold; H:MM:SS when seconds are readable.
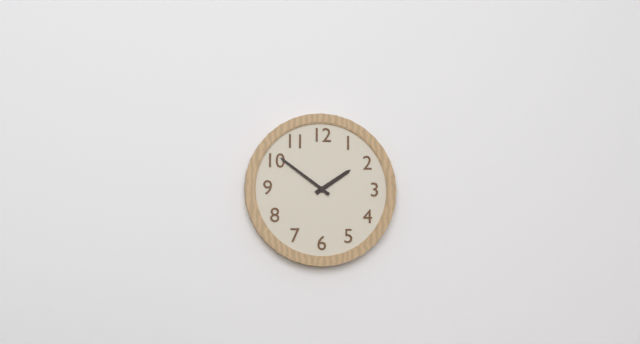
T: **1:51**
